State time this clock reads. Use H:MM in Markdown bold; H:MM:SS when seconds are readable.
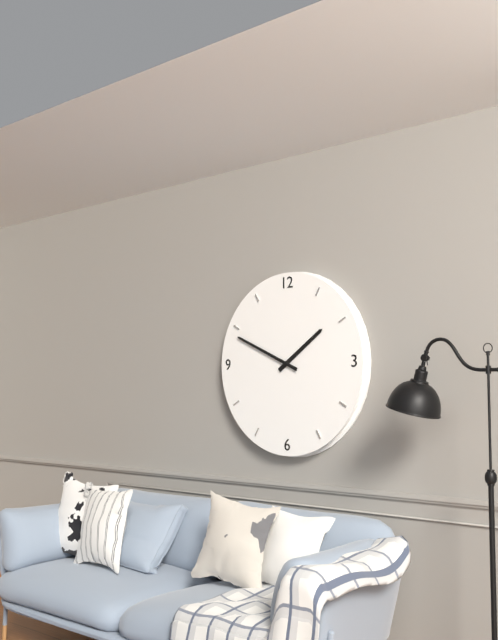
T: **1:49**
